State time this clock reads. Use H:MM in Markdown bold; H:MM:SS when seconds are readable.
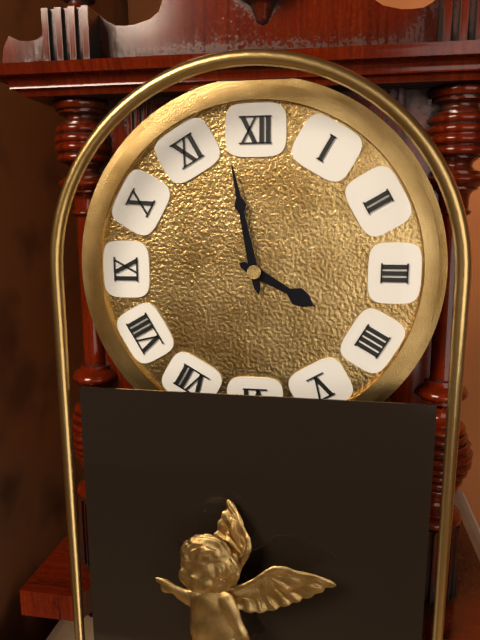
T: **3:58**
